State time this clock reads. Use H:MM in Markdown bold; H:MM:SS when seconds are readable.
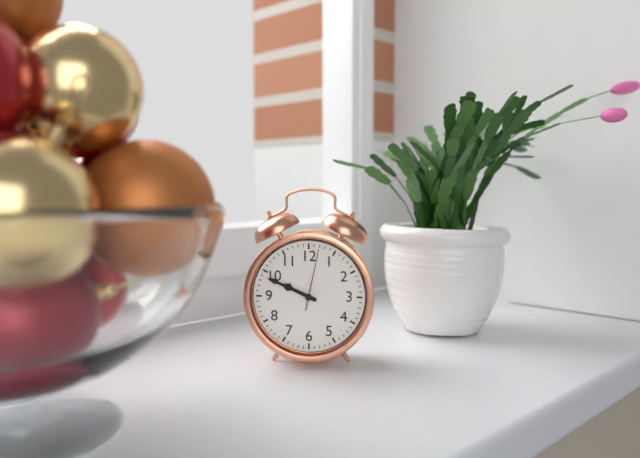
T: **9:49:02**
